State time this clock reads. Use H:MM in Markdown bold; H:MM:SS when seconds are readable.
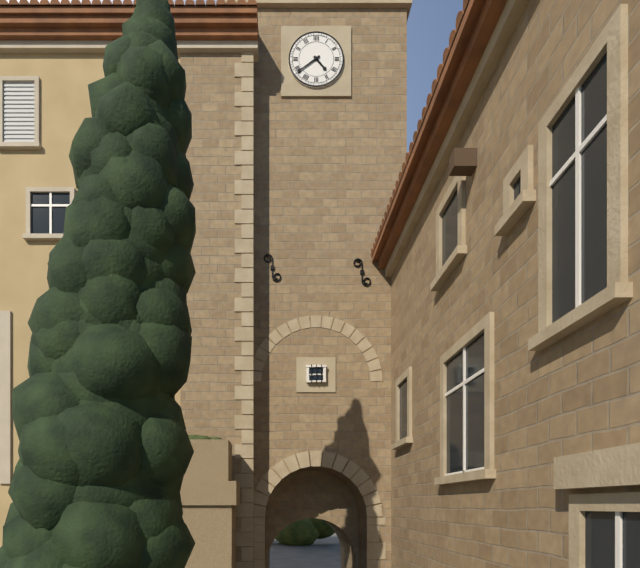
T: **4:39**
